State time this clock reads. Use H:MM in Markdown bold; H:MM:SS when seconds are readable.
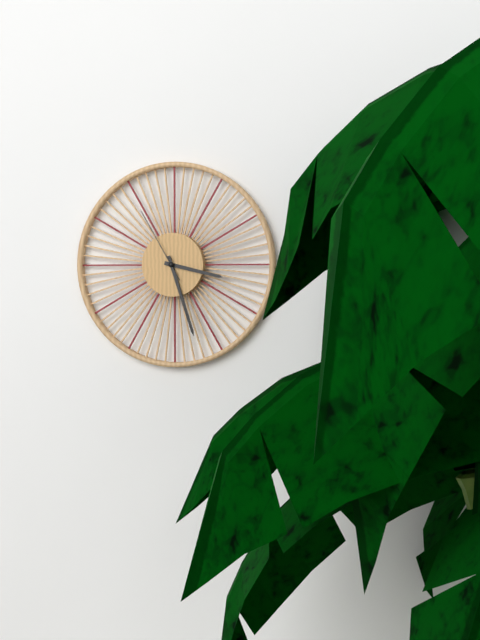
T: **3:27:55**
